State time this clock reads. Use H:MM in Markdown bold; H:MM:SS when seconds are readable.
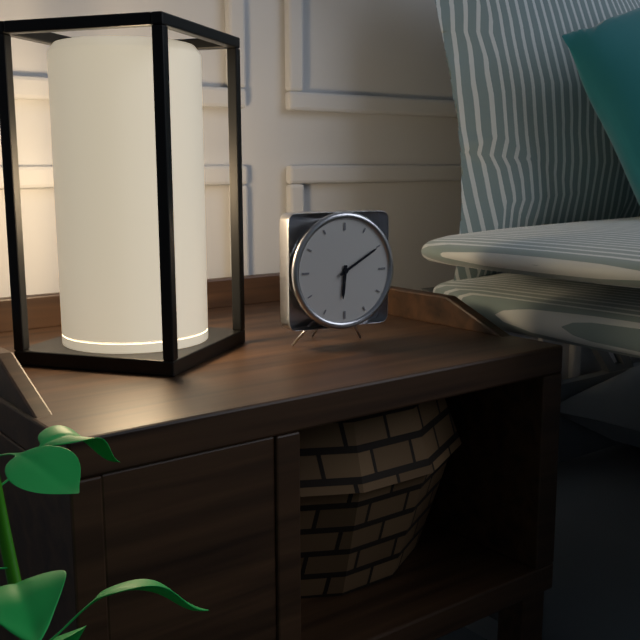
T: **6:10**
